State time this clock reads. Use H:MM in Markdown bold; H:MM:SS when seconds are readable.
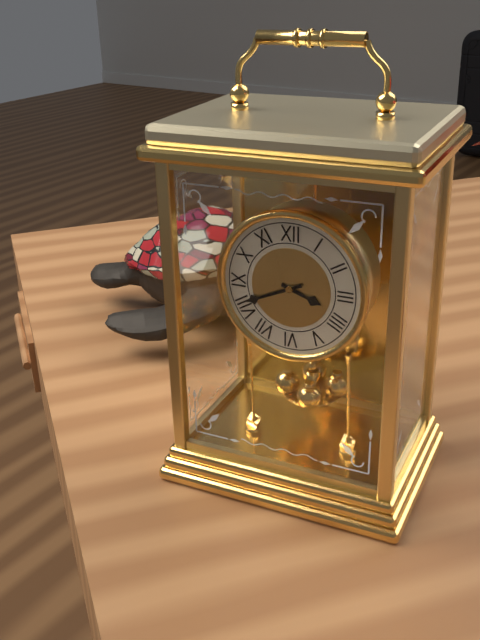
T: **3:41**
